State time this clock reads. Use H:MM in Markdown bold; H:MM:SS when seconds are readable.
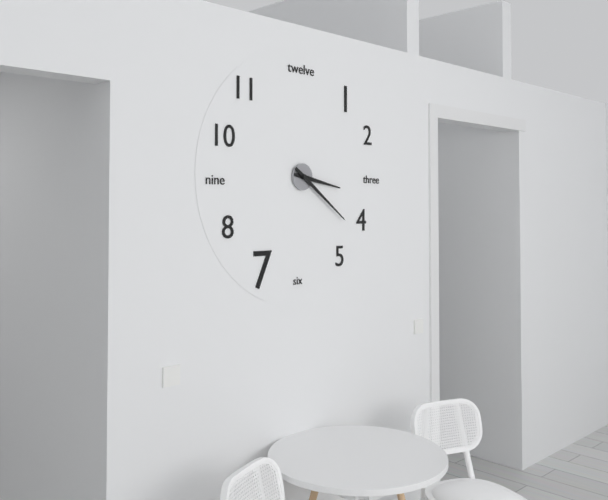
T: **3:21**
